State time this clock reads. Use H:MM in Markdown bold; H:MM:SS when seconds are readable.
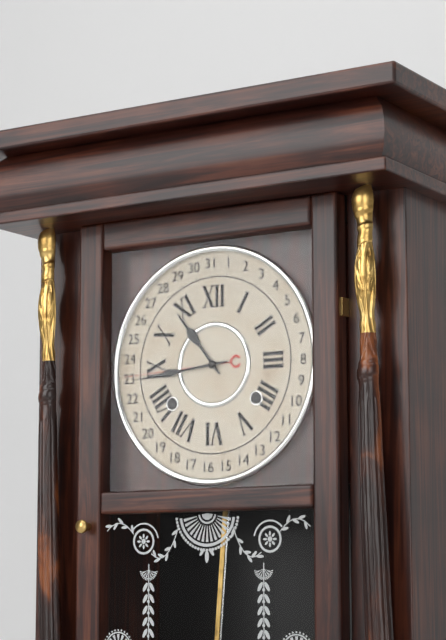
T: **10:44**
